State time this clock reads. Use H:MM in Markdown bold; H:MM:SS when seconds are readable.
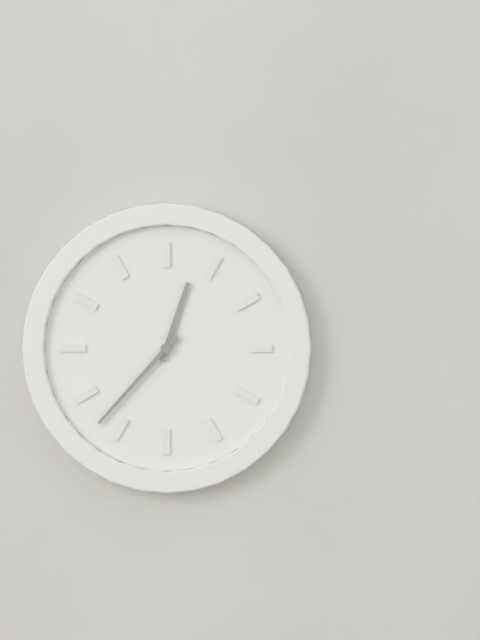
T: **12:37**
